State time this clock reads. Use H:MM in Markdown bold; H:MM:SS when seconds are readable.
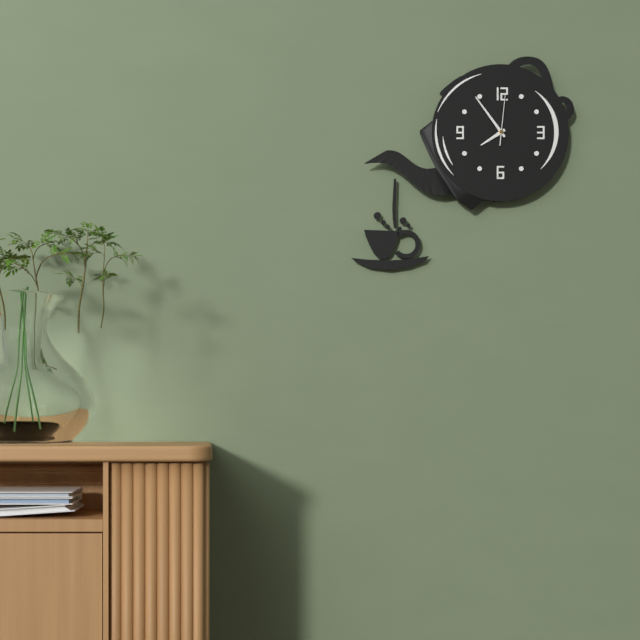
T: **7:54**
